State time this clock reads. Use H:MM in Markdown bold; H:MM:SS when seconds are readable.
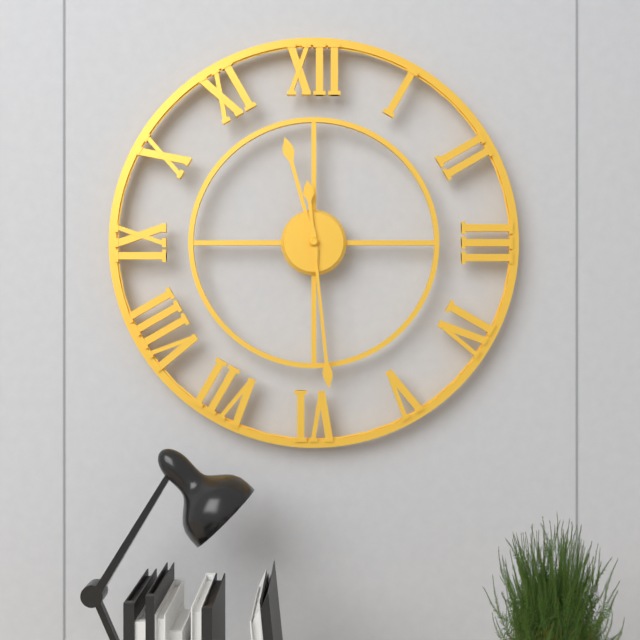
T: **11:29**
